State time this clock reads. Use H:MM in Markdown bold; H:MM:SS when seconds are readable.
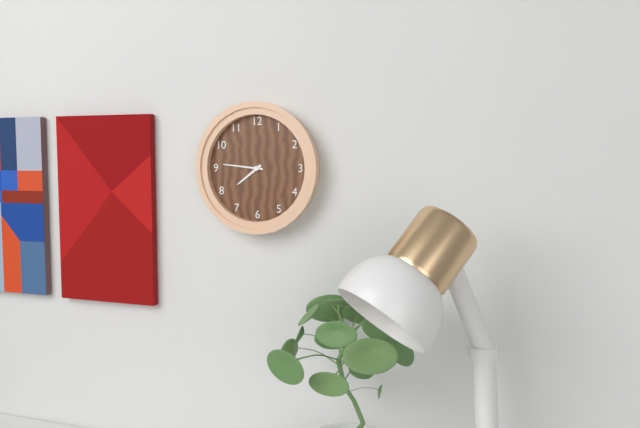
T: **7:46**
